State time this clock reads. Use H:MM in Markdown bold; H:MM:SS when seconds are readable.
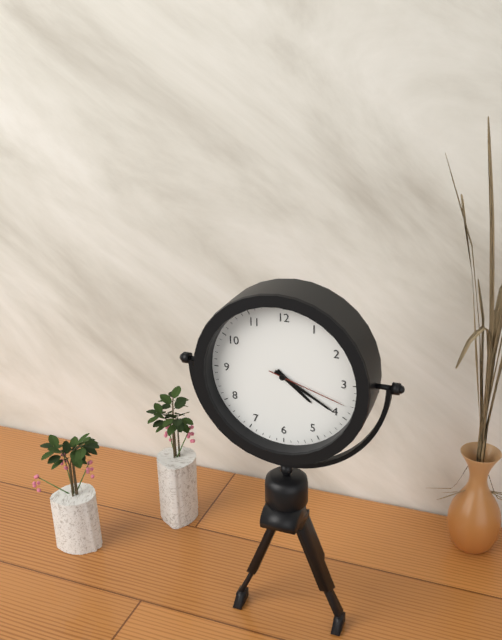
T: **4:20:18**
